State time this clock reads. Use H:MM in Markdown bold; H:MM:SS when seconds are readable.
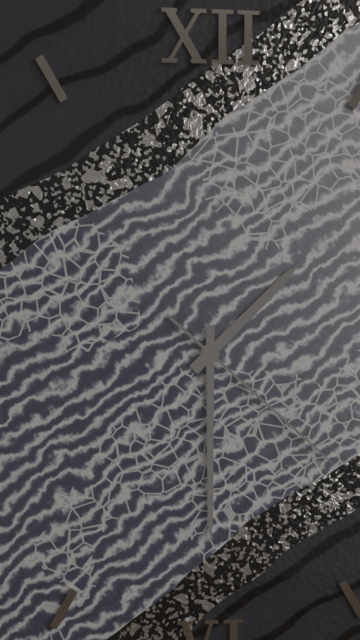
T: **1:30:22**
